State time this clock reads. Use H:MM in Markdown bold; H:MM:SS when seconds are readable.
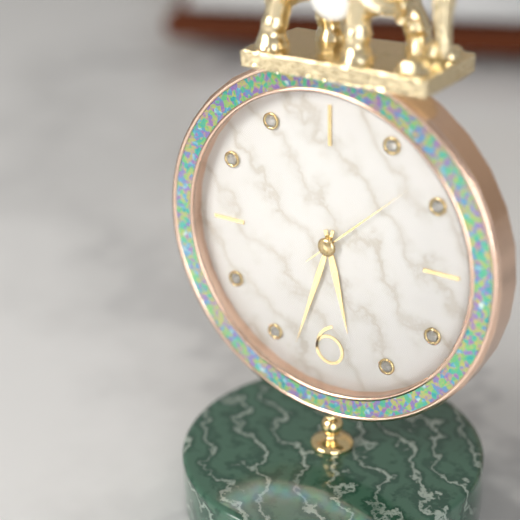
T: **5:33:08**
